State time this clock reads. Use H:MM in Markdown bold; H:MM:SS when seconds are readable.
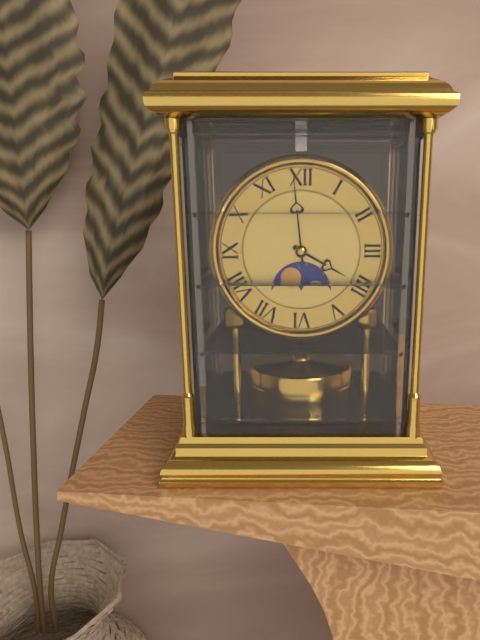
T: **3:59**
